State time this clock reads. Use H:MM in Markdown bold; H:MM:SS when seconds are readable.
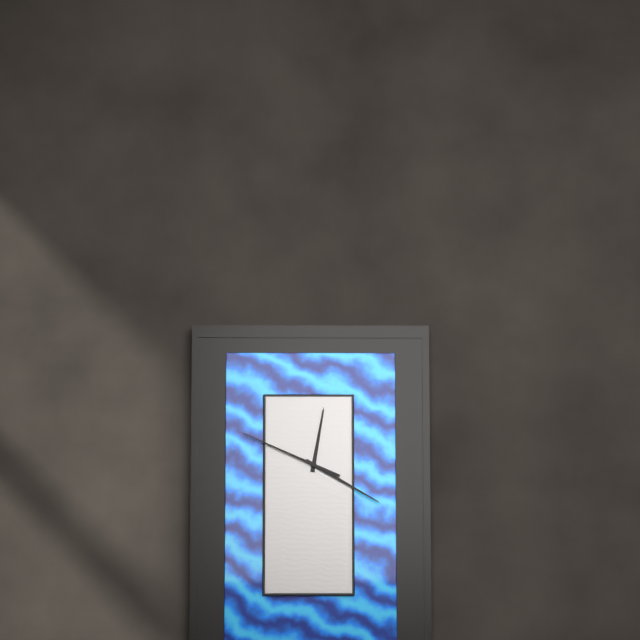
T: **12:20:49**
